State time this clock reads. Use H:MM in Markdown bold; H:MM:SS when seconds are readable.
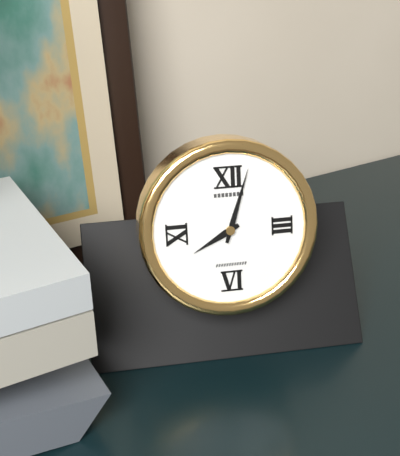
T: **8:03**
